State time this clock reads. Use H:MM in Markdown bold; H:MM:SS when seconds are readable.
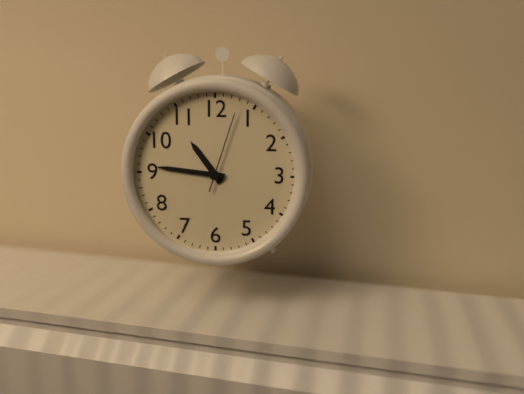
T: **10:46:03**
